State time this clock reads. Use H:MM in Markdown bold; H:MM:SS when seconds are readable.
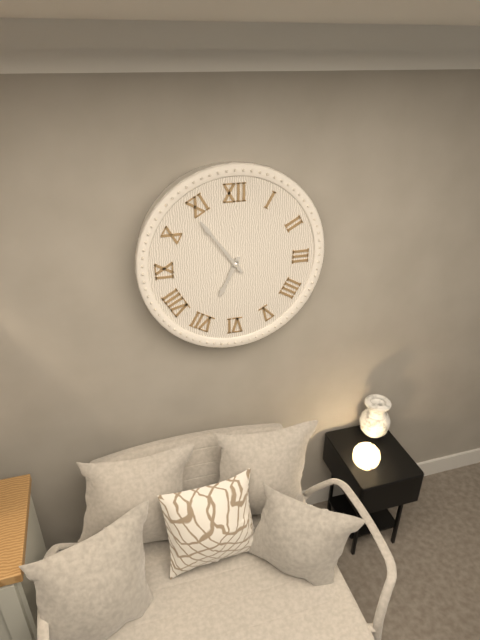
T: **6:54**
